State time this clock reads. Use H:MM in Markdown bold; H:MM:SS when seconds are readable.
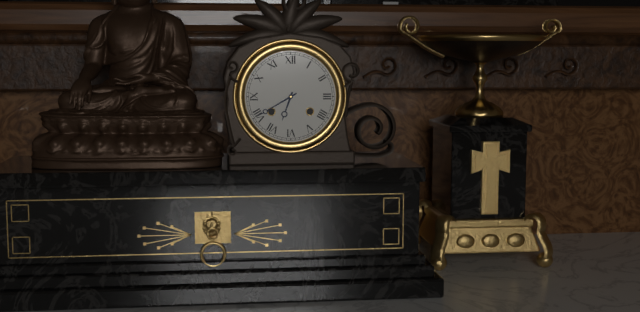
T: **6:40**
